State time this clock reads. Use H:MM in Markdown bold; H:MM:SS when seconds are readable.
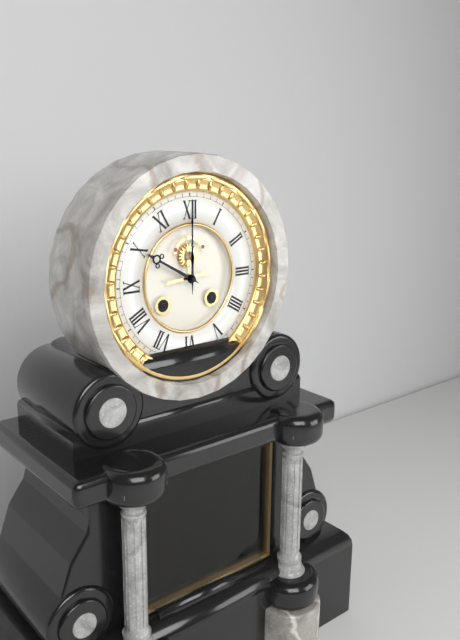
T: **10:00**
